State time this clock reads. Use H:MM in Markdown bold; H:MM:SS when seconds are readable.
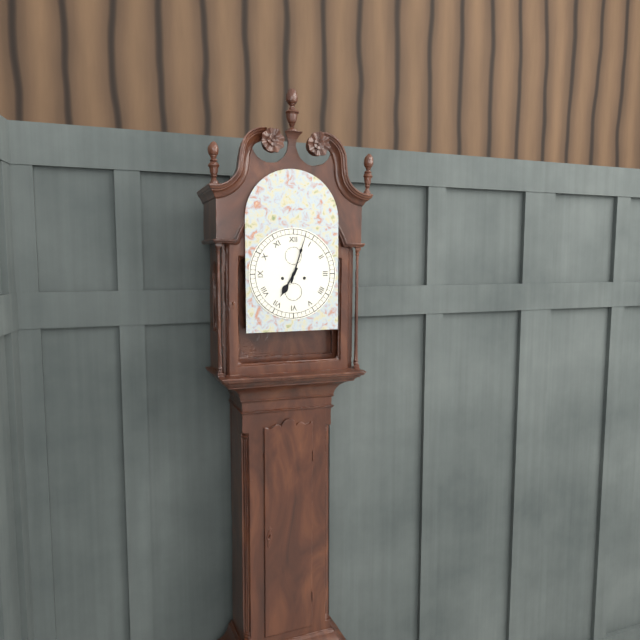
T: **7:03**
